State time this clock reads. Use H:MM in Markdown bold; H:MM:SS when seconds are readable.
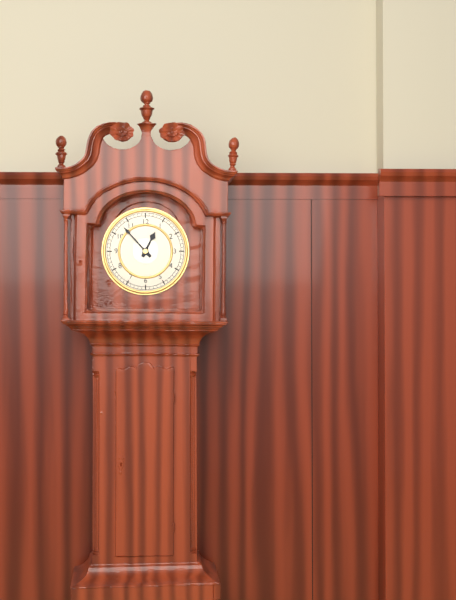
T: **12:53**
